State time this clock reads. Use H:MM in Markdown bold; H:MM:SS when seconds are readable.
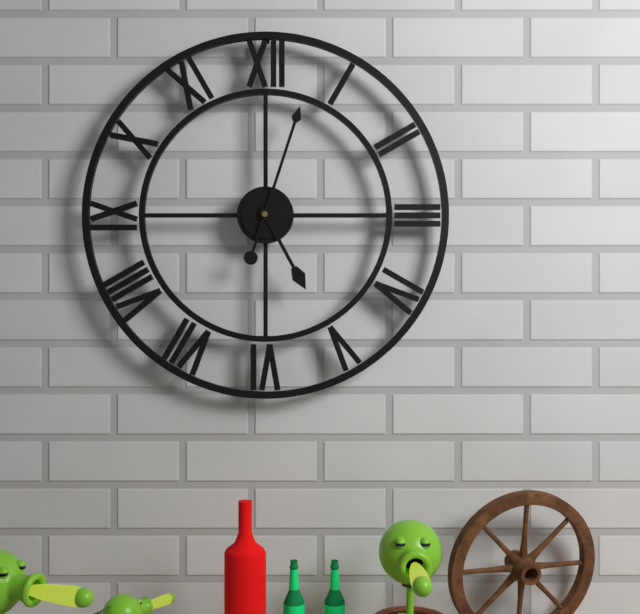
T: **5:03**
